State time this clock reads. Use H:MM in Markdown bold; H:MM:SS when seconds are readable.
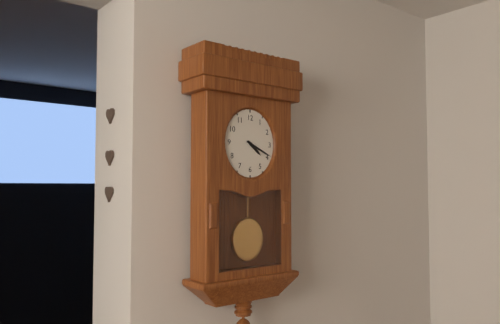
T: **4:19**
